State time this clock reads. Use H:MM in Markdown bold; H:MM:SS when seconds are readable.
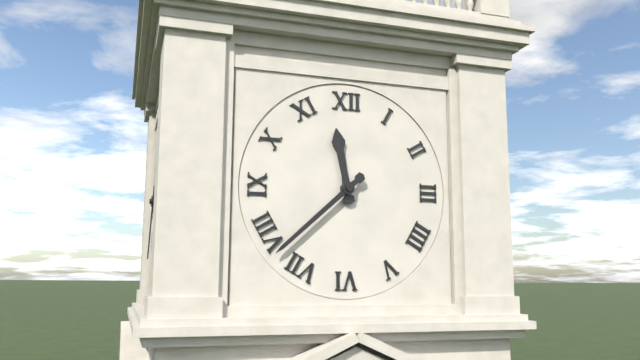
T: **11:38**
